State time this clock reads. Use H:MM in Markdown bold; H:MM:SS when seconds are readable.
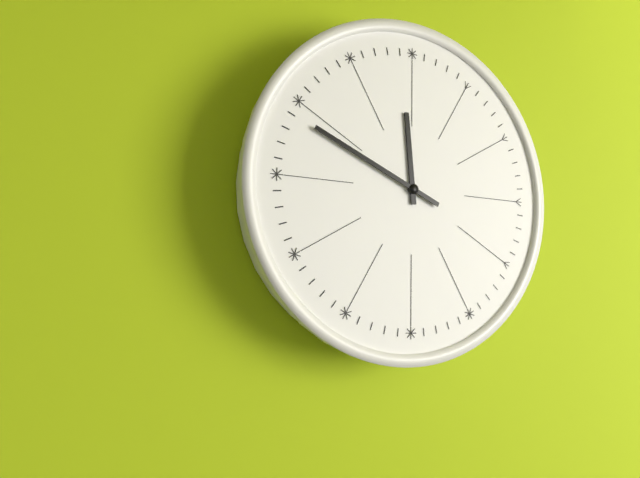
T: **11:49**
